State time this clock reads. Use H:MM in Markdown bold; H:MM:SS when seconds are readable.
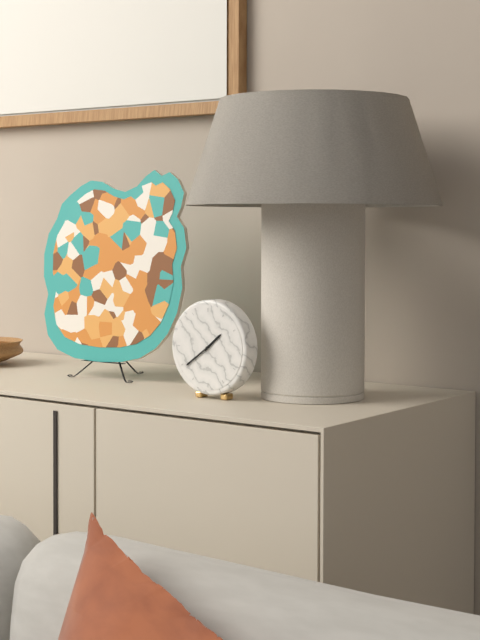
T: **1:39**
